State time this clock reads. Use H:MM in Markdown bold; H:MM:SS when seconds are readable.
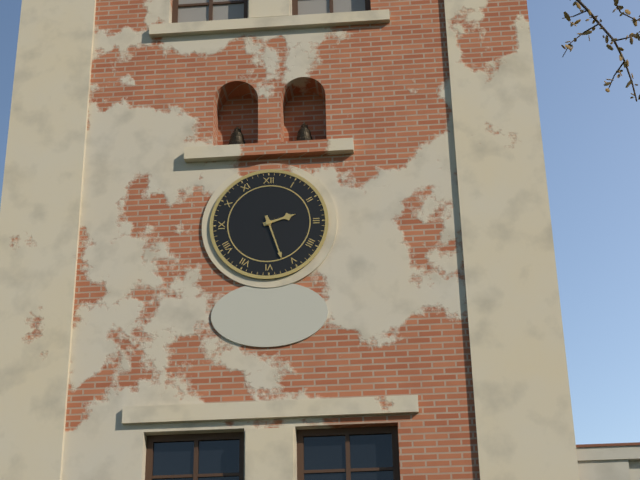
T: **2:27**
